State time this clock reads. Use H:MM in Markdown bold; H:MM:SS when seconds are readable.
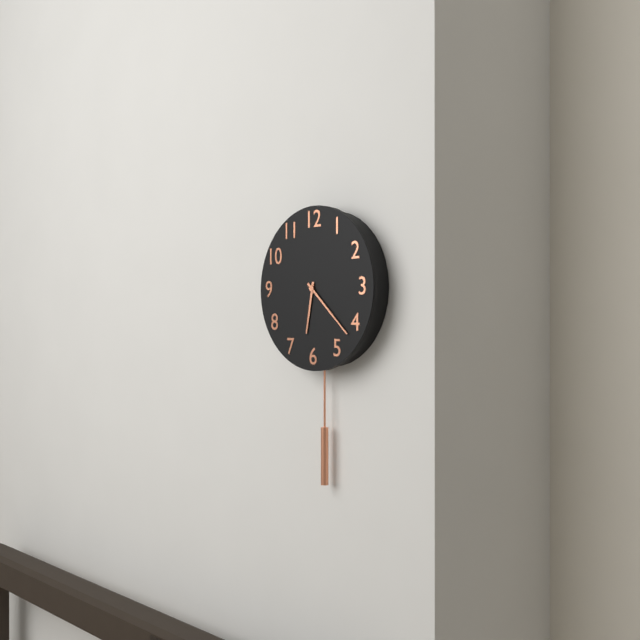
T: **6:22**
